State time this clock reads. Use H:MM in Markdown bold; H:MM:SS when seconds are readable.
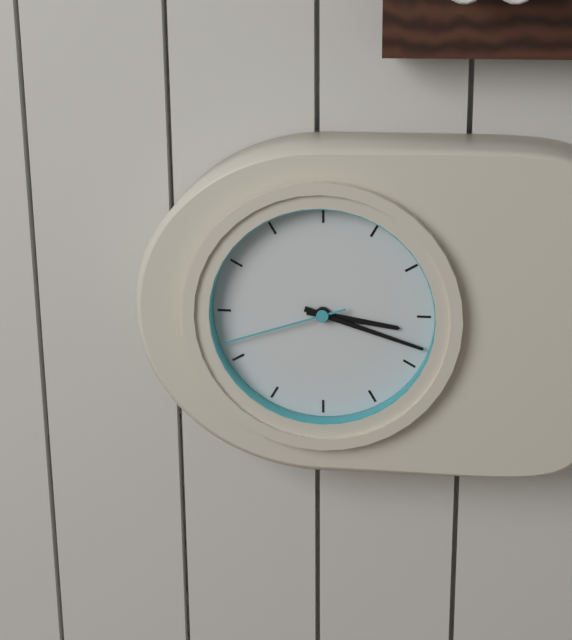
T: **3:18:42**
